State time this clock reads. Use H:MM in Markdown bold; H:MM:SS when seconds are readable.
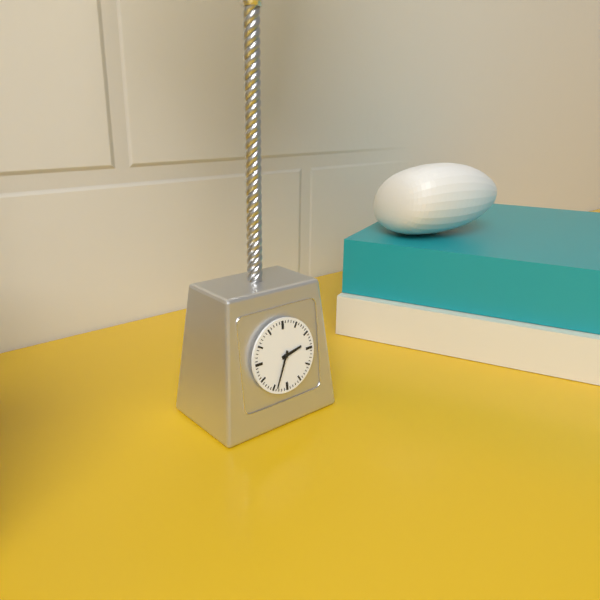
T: **2:34**
